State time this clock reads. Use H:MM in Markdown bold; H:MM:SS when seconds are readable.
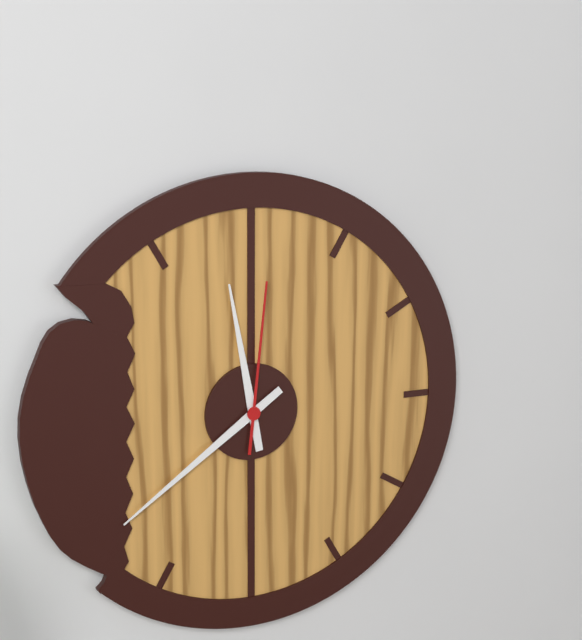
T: **11:39:01**
